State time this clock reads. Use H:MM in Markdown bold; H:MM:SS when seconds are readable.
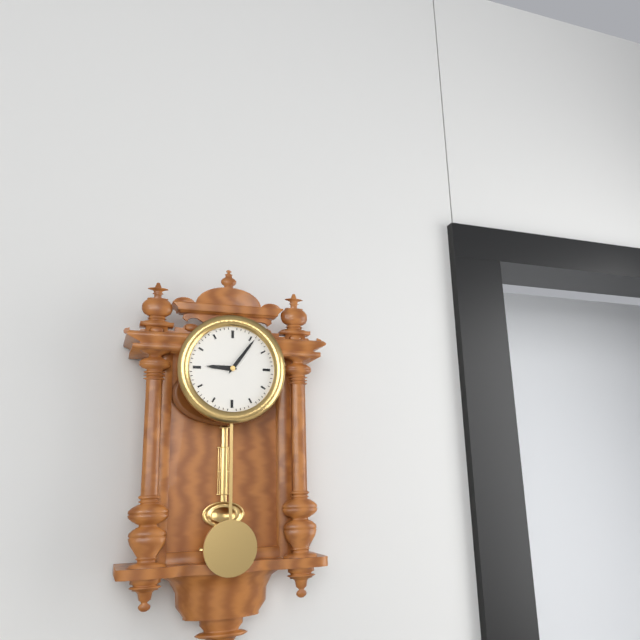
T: **9:06**
